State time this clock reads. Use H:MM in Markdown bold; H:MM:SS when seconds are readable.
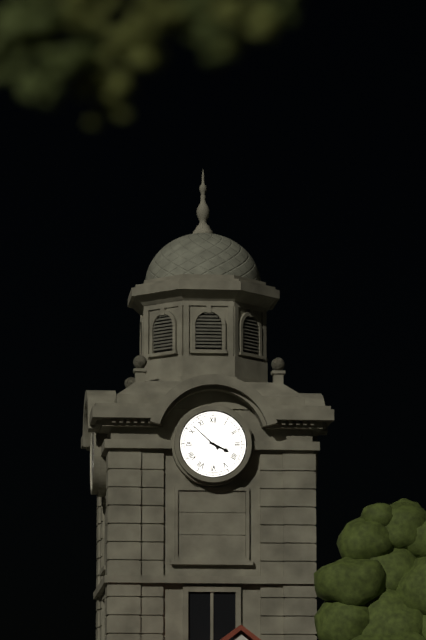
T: **3:52**
